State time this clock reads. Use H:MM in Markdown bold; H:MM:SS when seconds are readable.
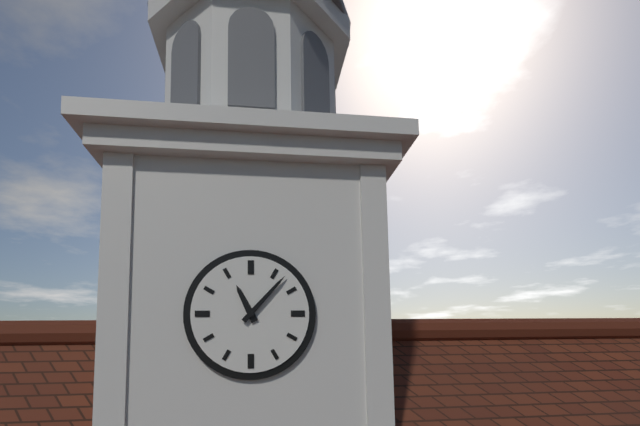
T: **11:07**
